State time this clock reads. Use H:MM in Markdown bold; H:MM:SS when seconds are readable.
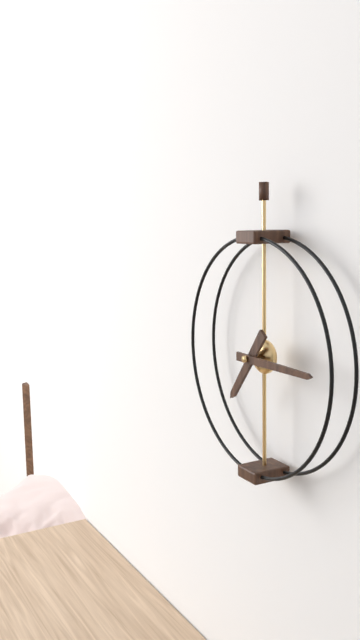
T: **7:15**
